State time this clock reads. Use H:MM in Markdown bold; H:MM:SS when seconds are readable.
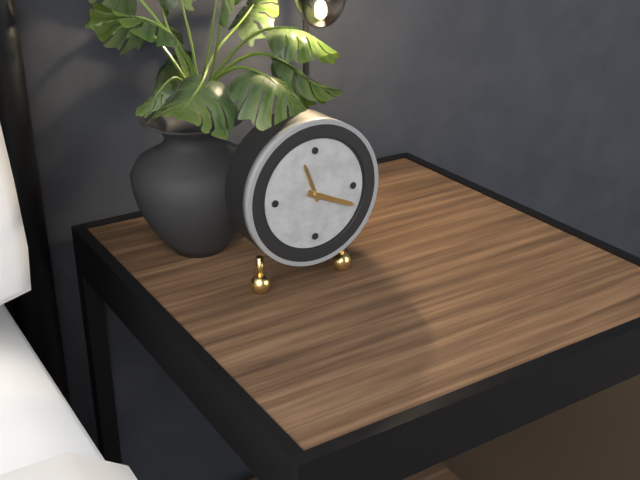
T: **11:19**
